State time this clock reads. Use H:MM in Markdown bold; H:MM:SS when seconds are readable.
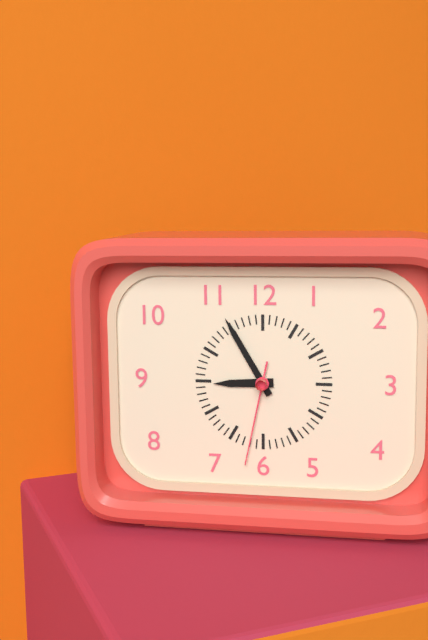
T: **8:55:32**
